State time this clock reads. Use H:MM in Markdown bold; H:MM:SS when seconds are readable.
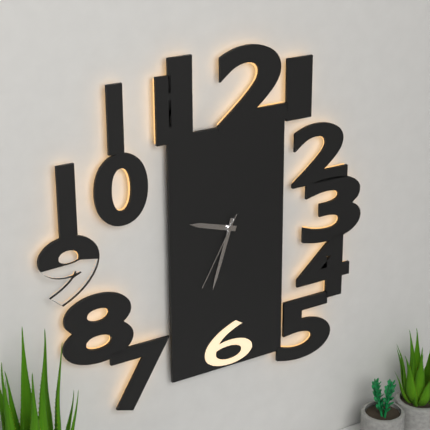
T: **9:33:35**
